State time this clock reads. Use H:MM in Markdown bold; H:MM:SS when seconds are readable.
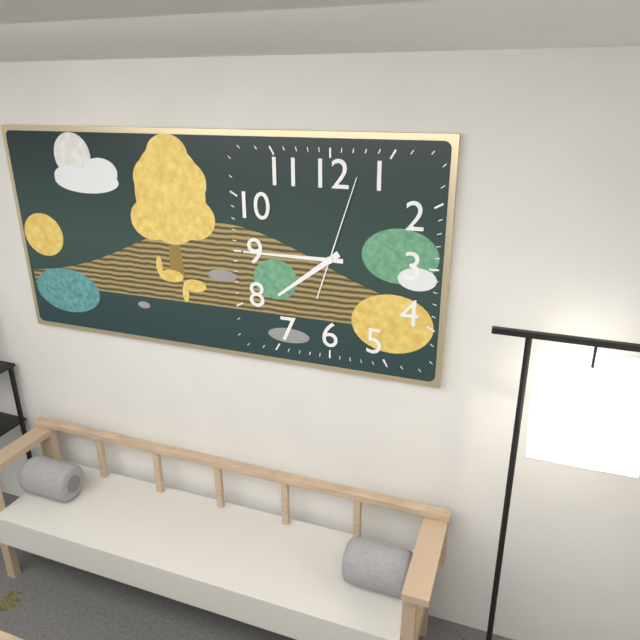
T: **7:45:03**
